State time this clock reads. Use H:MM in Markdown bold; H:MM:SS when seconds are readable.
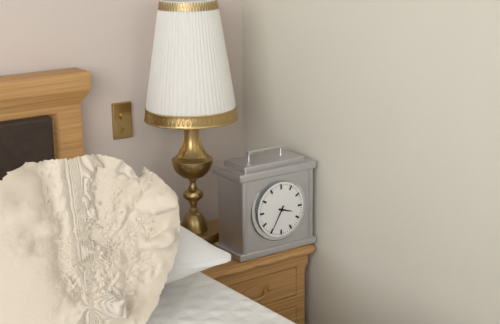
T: **3:35**
